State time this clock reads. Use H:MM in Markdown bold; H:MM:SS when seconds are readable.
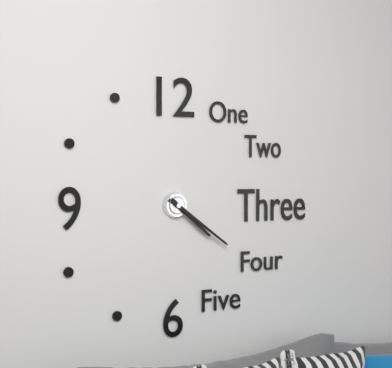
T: **4:21**
